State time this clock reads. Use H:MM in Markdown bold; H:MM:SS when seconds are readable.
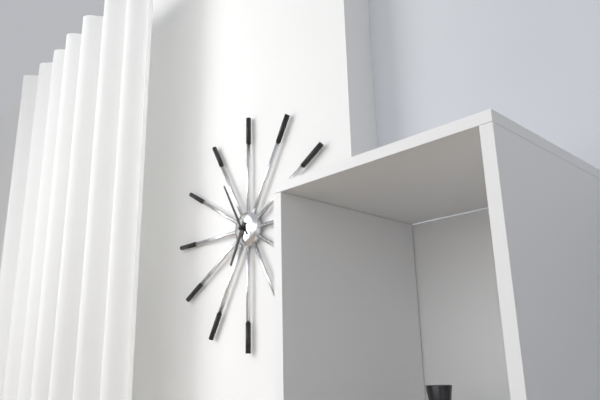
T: **6:55**
